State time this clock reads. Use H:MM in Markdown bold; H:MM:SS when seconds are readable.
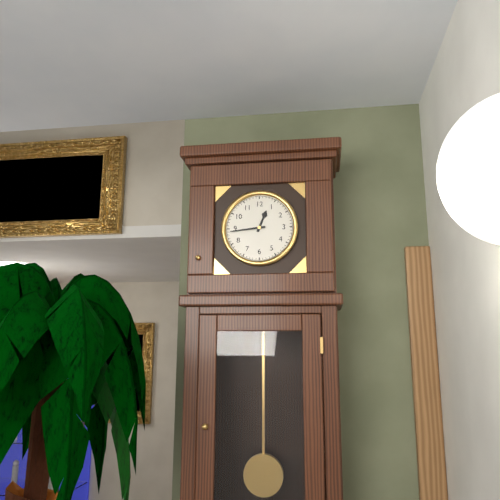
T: **12:44**
